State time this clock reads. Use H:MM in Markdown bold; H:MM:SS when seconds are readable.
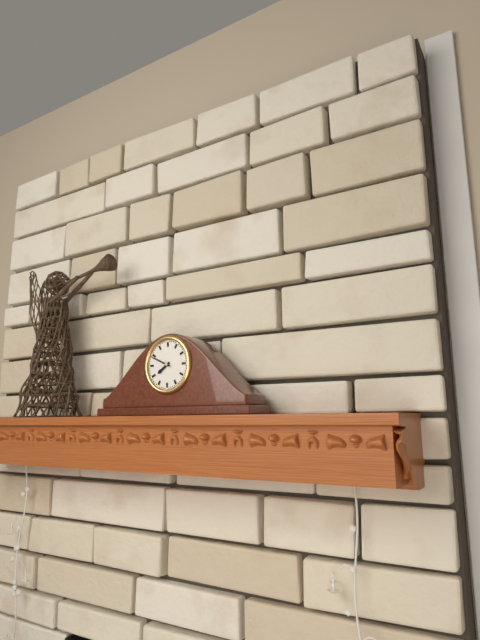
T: **7:49**
